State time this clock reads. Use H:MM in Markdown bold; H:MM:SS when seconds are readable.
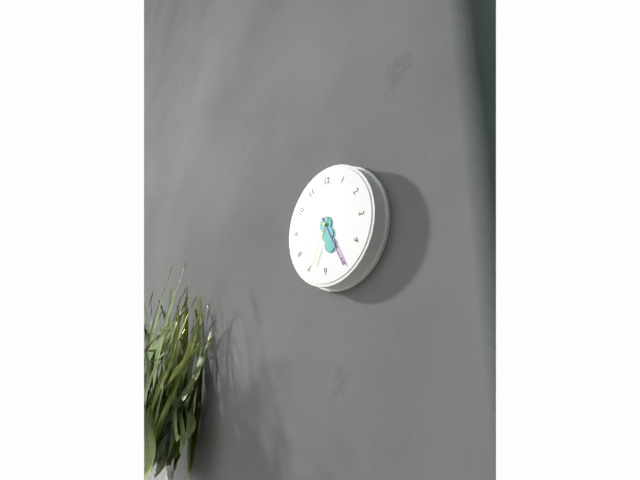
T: **5:25:34**
